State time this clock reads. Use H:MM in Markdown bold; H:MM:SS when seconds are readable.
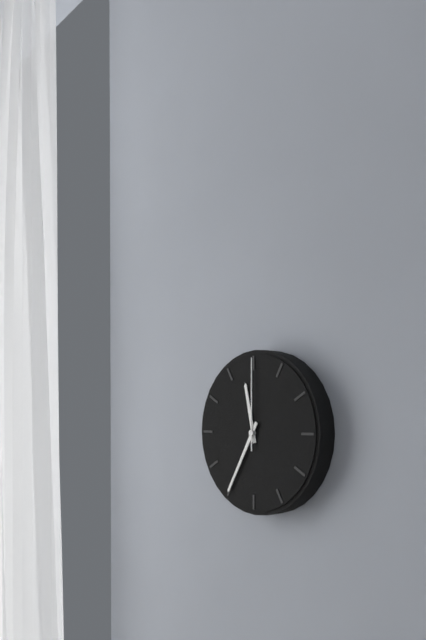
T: **11:35:00**
